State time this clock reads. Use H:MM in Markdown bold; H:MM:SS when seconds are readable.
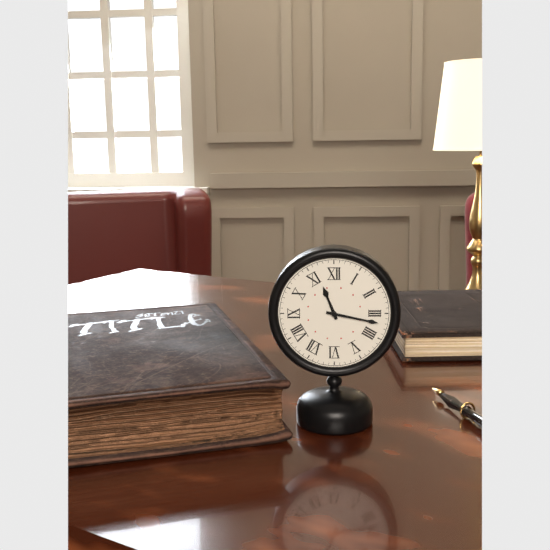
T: **11:17**
